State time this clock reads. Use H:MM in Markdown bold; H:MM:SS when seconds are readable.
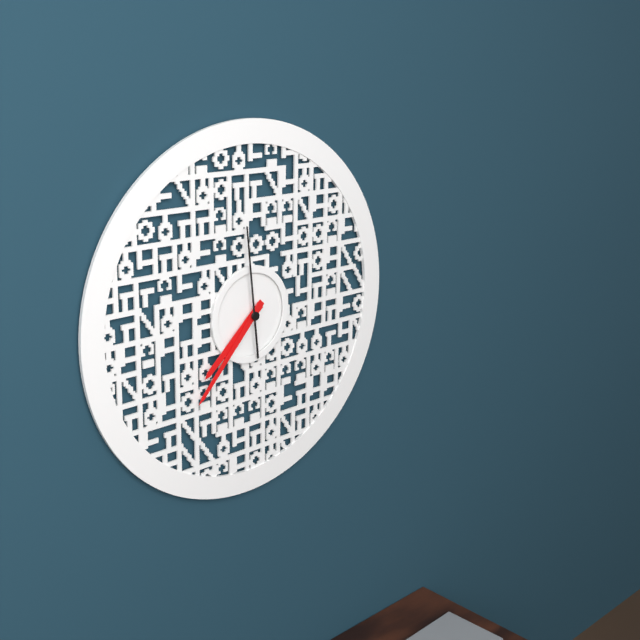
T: **7:37:59**
